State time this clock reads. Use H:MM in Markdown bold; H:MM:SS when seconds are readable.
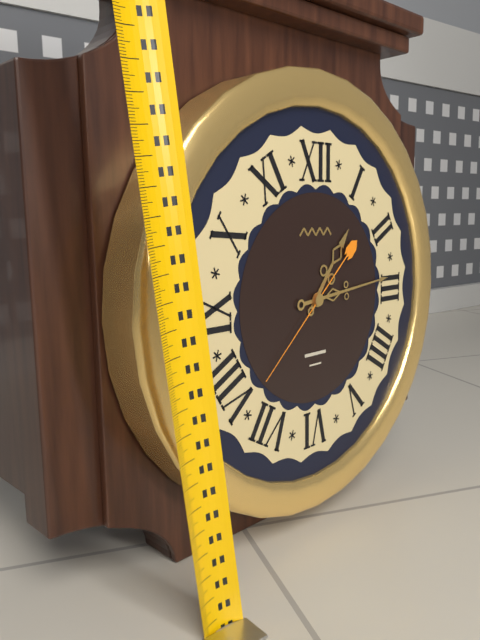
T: **1:14:38**
